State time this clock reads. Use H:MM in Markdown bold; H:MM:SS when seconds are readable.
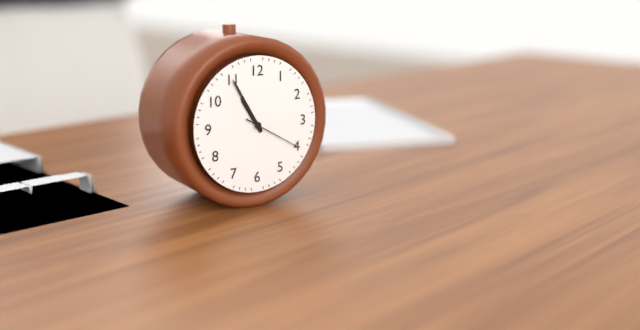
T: **10:55:20**
